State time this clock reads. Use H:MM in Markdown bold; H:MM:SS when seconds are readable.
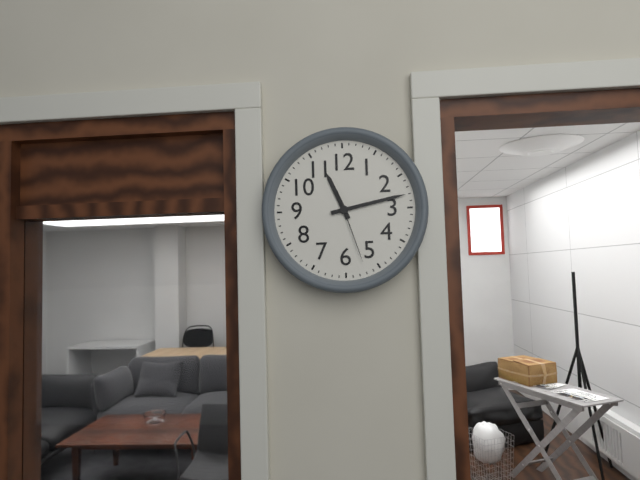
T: **11:13:27**
